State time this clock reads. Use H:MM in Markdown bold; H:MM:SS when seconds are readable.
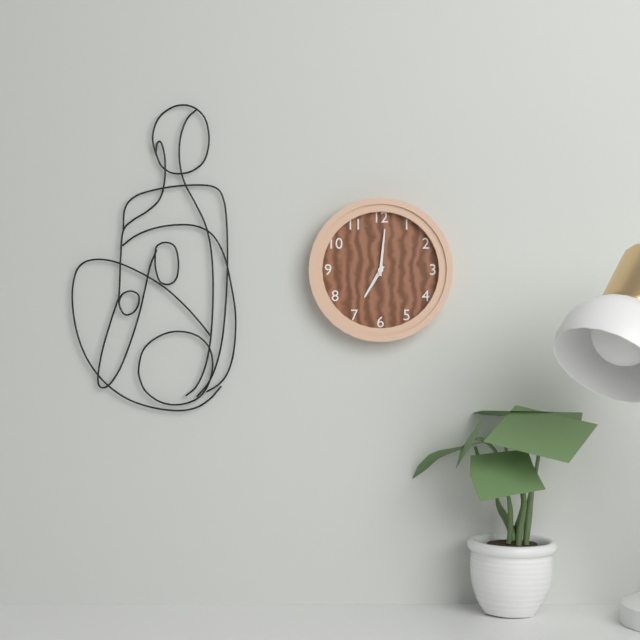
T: **7:01**
